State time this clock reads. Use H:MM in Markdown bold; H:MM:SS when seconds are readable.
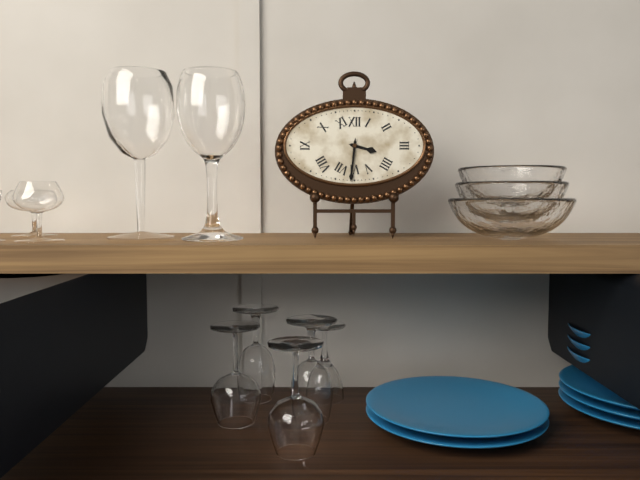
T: **3:31**
